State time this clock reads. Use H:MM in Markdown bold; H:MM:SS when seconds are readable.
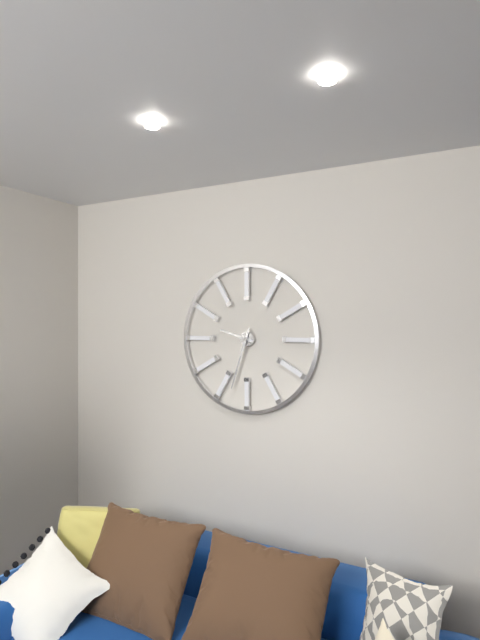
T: **9:33**
